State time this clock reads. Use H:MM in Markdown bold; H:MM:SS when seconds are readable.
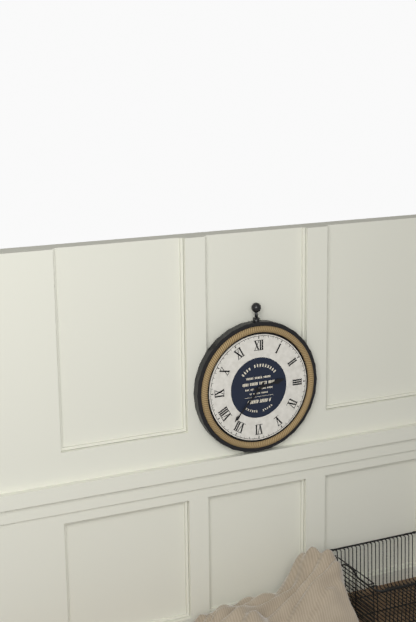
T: **2:37**
